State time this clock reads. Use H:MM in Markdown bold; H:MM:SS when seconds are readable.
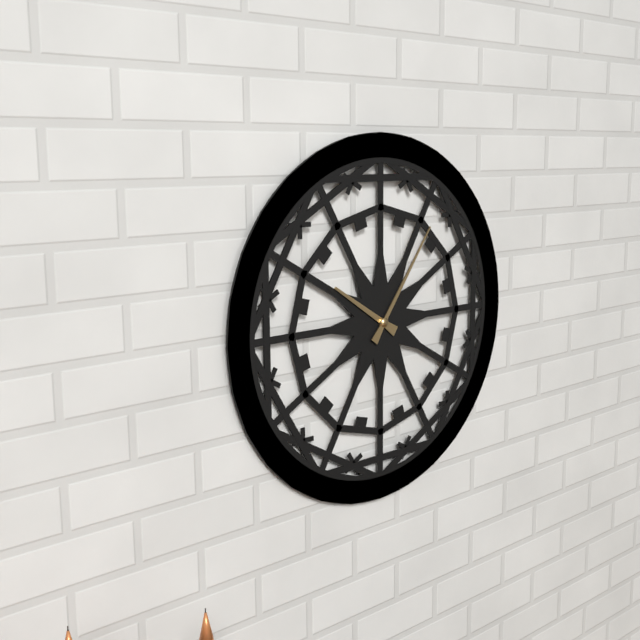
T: **10:06**
